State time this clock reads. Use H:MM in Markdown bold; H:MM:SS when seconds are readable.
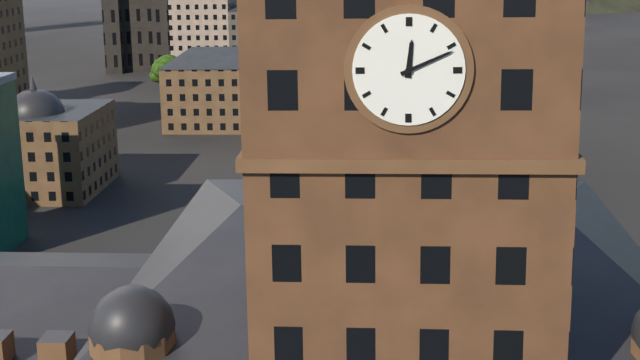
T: **12:11**
